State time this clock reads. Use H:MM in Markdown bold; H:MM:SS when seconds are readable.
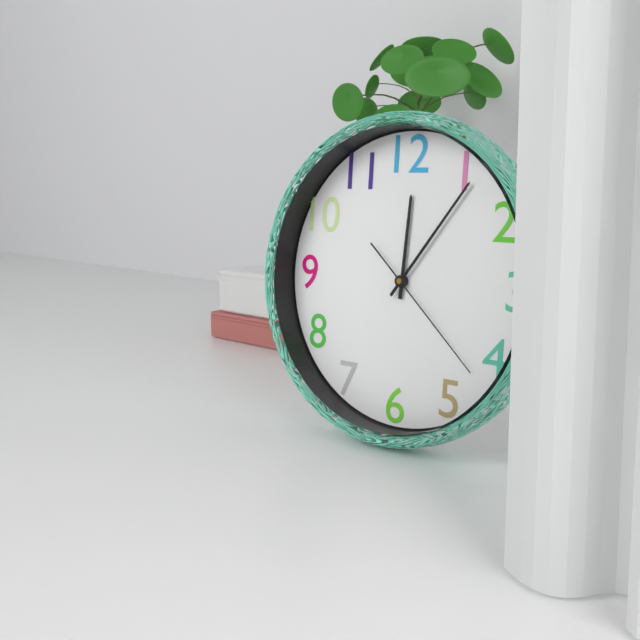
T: **12:06:22**
